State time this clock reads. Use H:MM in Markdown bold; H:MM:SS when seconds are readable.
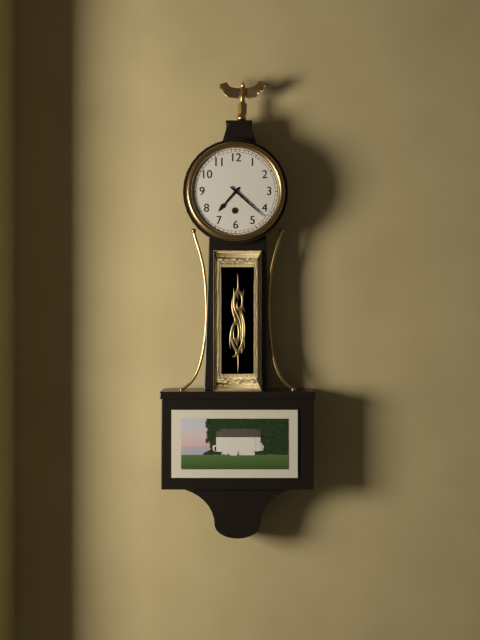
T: **7:22**
